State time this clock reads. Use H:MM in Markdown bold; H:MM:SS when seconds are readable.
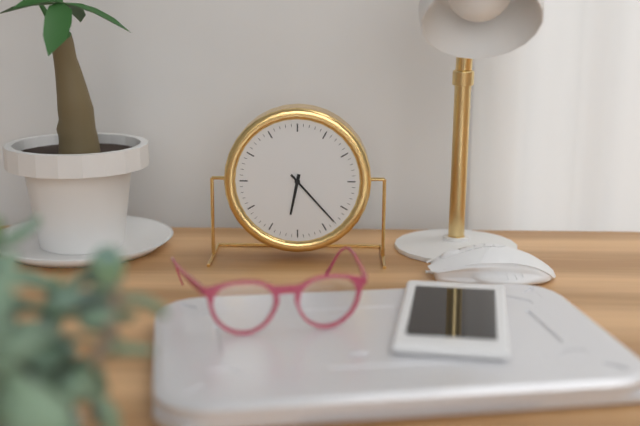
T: **6:23**
